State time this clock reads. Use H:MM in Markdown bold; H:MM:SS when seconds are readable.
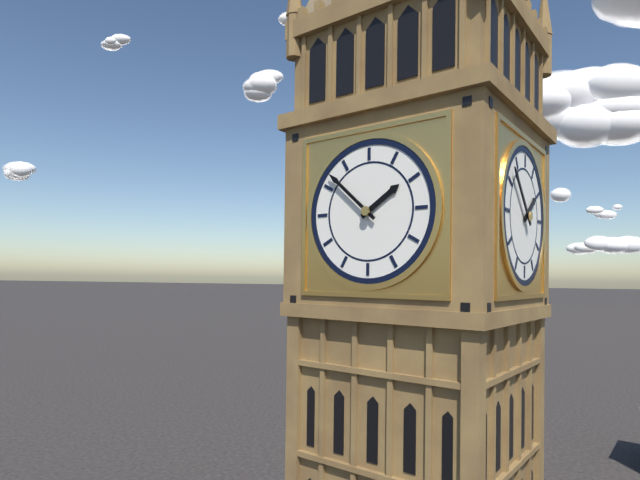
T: **1:52**
